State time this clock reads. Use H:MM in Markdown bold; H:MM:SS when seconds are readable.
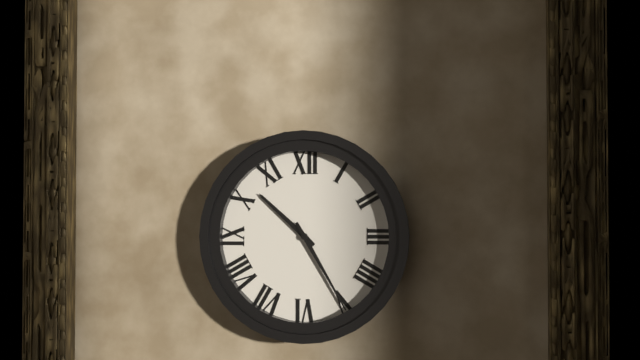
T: **10:25**
